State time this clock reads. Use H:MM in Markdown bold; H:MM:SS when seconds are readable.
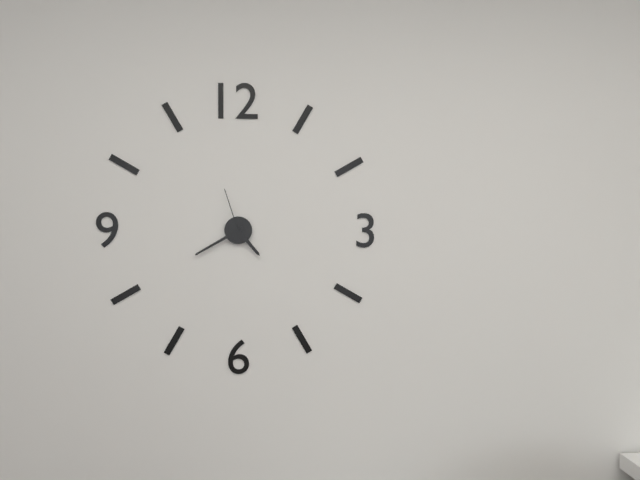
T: **4:40:57**
